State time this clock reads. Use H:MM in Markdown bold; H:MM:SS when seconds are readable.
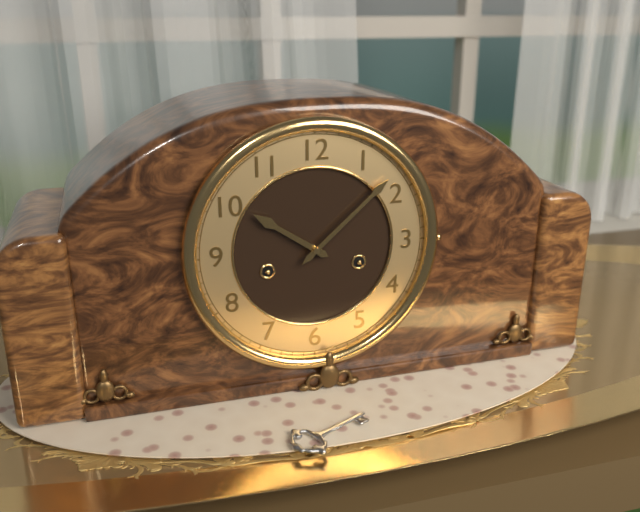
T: **10:08**
